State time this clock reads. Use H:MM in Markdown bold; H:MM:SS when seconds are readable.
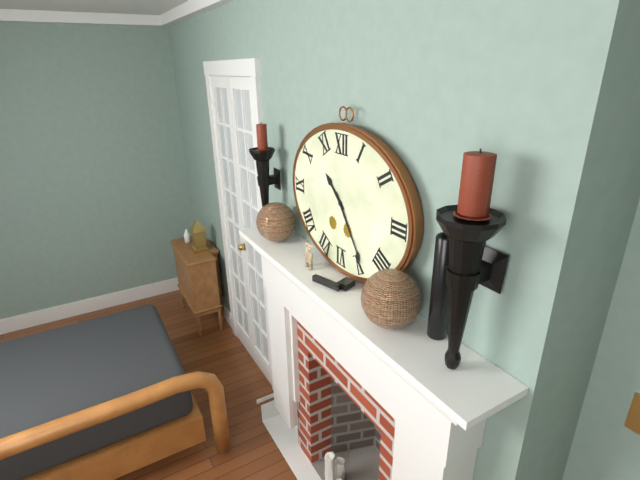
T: **10:24**
